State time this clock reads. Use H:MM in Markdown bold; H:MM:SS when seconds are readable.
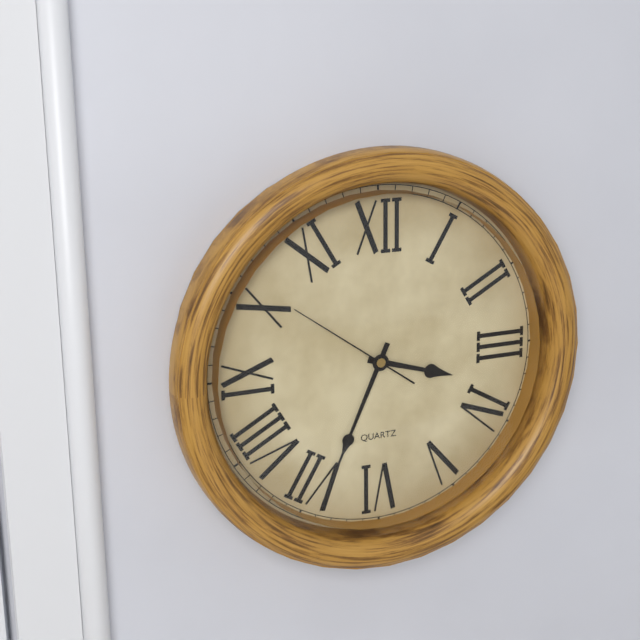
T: **3:34:51**
